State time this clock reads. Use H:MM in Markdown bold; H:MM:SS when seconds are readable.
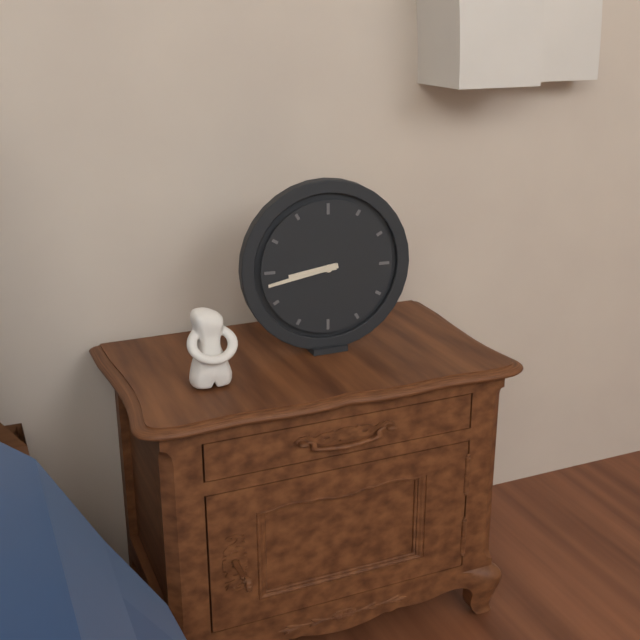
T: **8:43**
